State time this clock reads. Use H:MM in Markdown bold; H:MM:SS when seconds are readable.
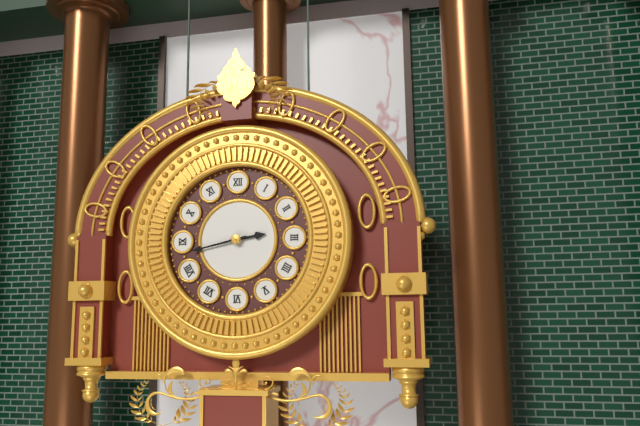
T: **2:43**
